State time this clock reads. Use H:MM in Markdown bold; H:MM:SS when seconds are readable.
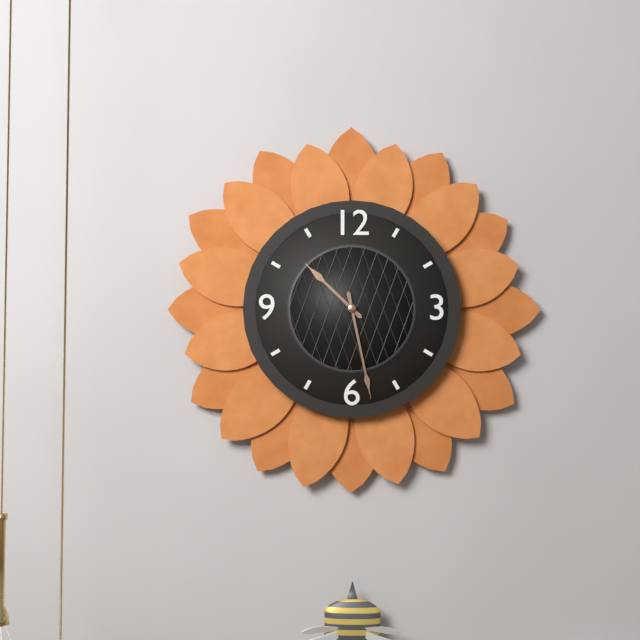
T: **10:28**
